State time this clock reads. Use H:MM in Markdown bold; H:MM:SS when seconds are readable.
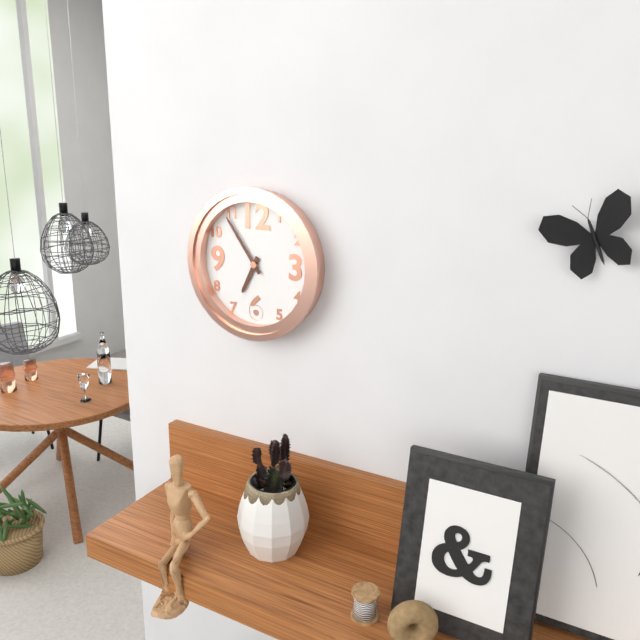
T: **6:54**
